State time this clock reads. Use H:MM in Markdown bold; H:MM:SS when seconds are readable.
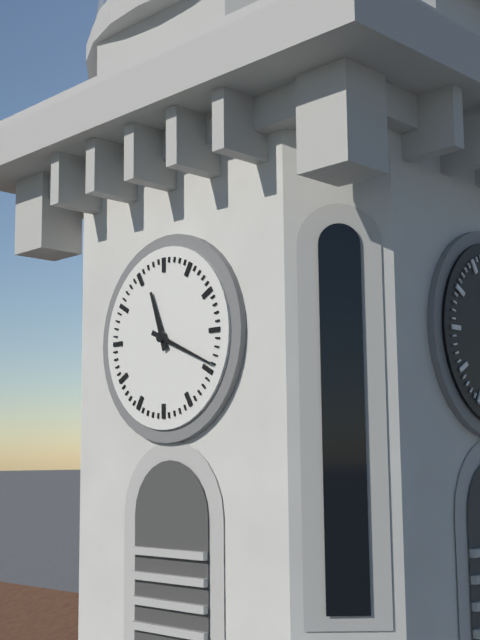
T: **11:19**
